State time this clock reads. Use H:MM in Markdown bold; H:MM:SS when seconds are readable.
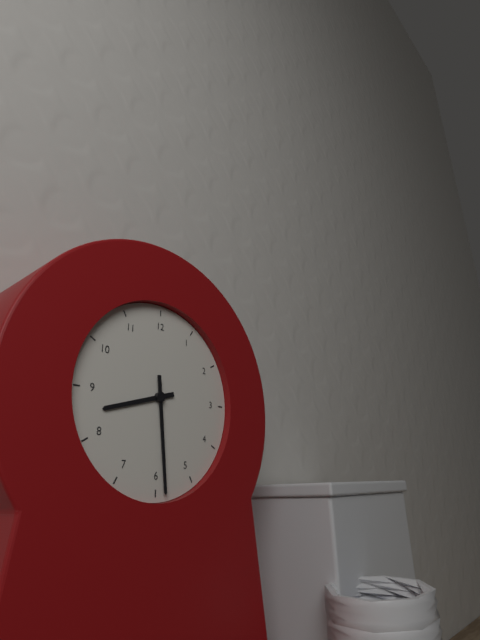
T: **8:29**
